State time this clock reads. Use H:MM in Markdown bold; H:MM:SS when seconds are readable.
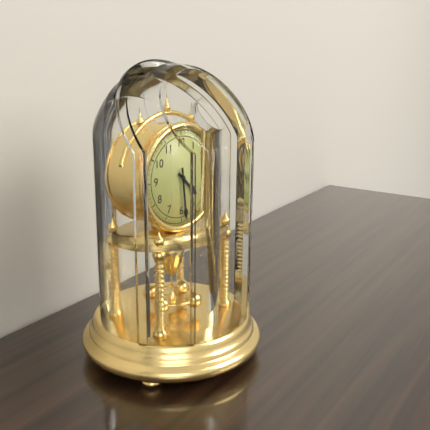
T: **4:29**
